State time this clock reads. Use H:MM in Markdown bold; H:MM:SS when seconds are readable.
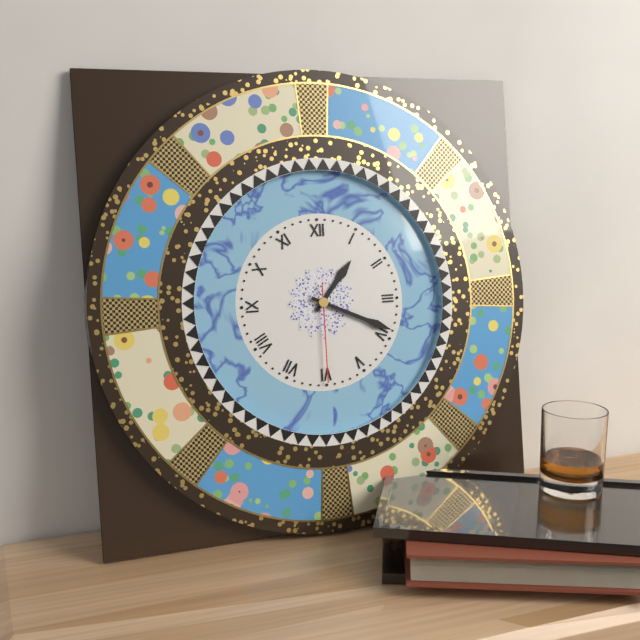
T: **1:19:30**
